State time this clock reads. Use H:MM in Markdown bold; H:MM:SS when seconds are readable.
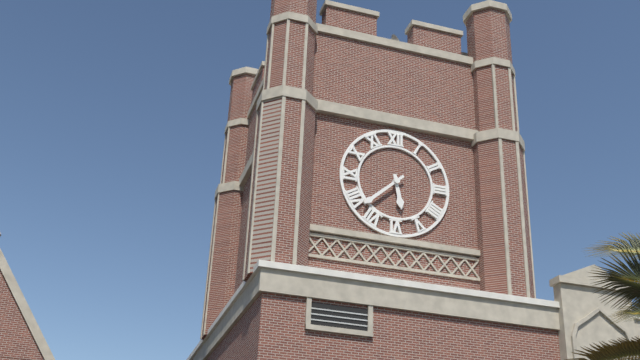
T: **5:38**
